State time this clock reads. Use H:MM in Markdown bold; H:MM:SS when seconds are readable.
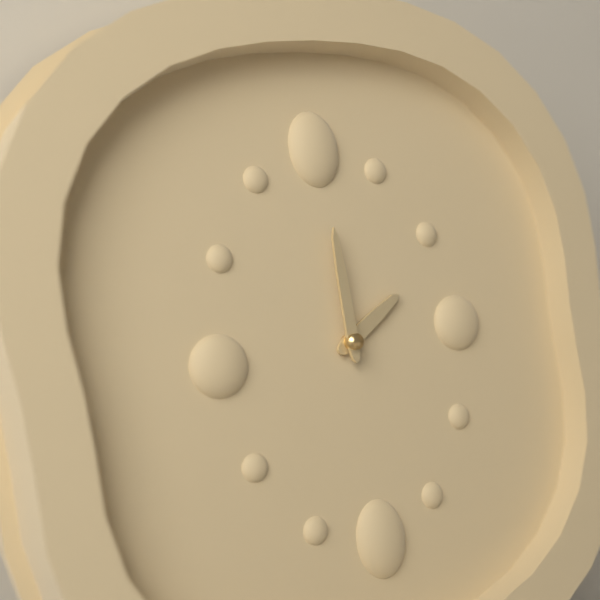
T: **2:00**
